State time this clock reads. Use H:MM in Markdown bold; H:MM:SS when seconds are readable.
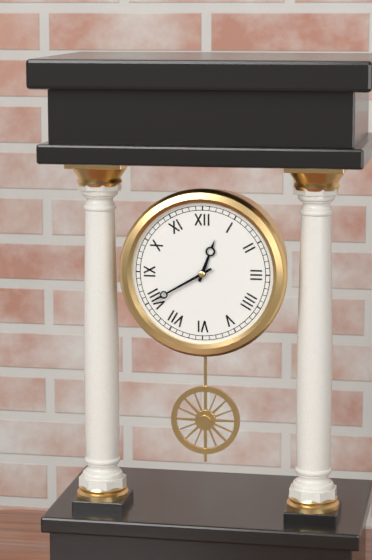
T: **12:40**
